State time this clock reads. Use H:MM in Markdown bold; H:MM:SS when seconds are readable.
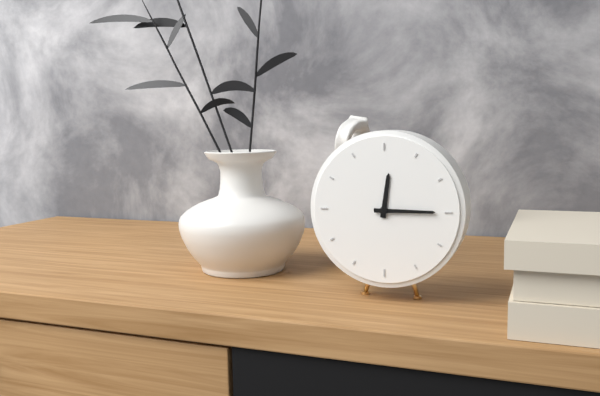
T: **12:15**
